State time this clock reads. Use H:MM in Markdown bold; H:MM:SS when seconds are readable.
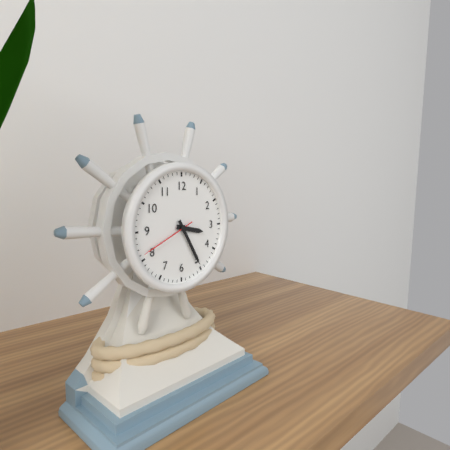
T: **3:25:41**
